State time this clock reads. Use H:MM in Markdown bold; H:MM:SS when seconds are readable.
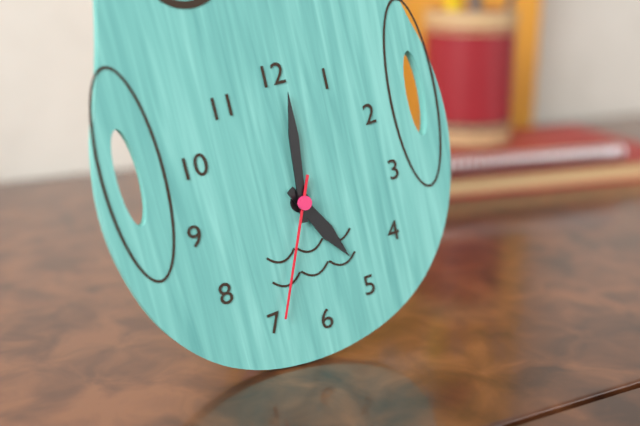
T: **5:01:34**
